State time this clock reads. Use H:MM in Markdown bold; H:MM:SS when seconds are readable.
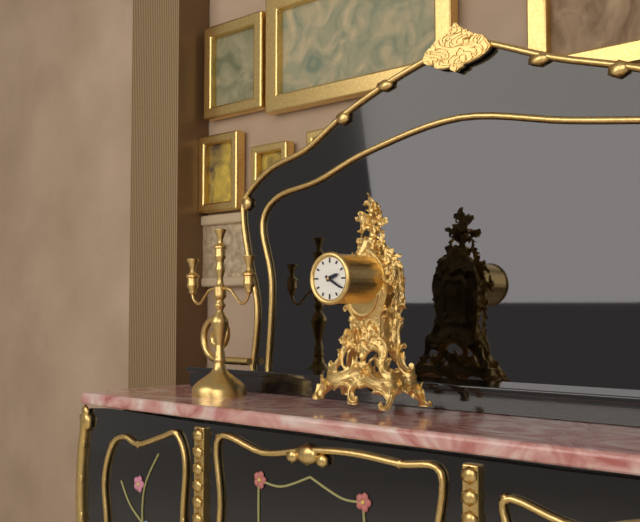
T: **2:20**
